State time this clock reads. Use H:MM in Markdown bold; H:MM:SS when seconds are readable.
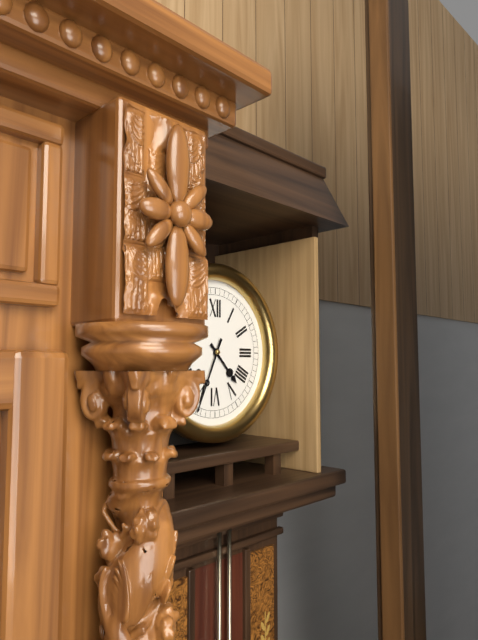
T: **4:34**
